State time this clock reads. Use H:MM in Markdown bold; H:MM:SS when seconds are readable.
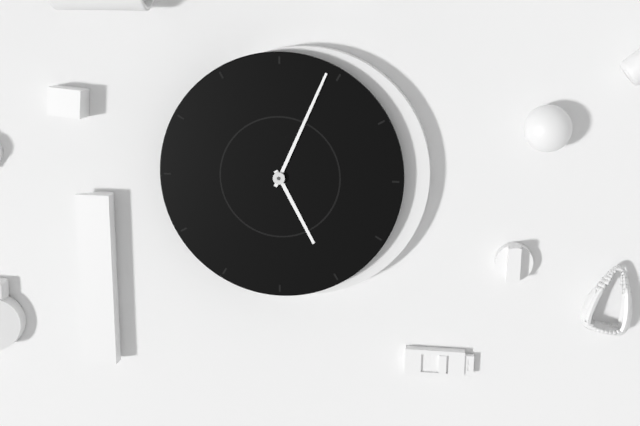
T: **5:04**
